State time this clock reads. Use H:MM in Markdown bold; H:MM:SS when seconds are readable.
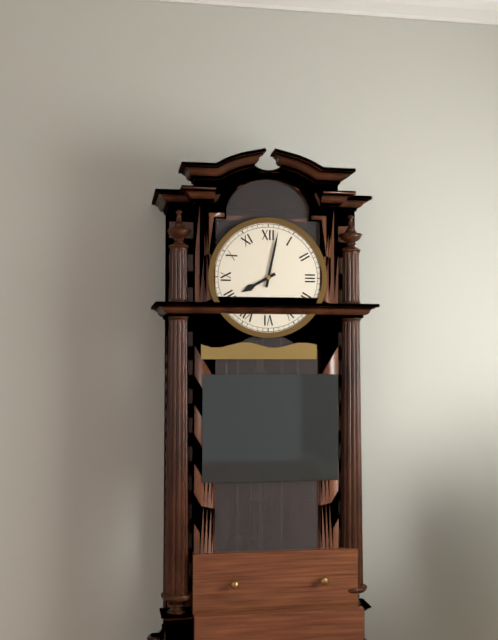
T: **8:02**
